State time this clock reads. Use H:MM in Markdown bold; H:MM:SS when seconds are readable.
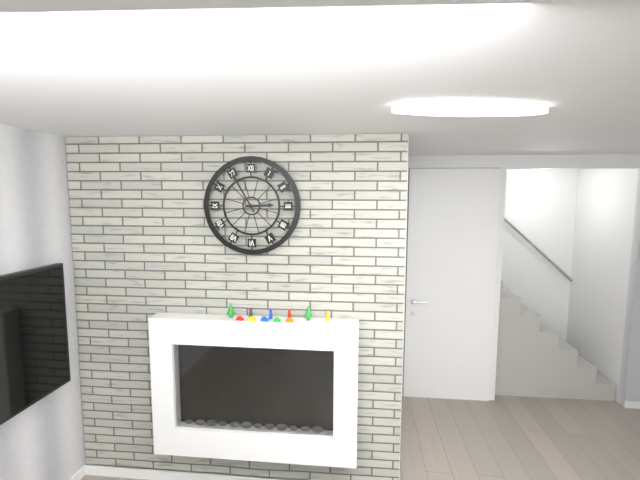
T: **2:55**
